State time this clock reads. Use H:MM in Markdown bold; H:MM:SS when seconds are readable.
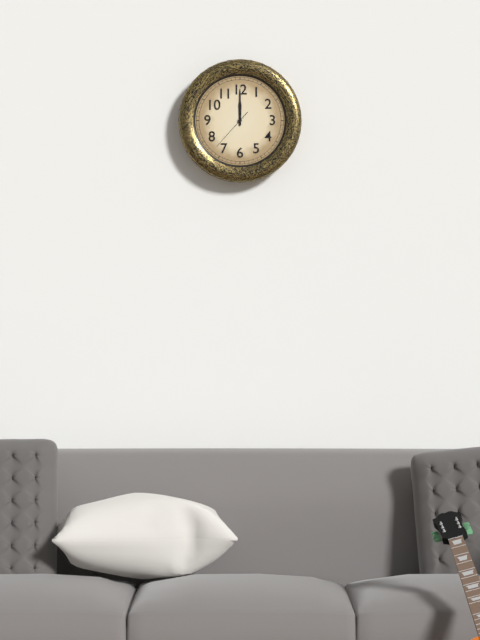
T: **12:00**
